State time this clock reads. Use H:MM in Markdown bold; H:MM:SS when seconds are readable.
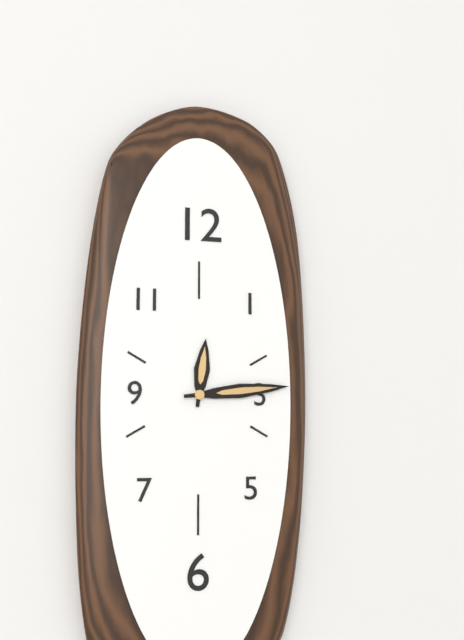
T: **12:14**
